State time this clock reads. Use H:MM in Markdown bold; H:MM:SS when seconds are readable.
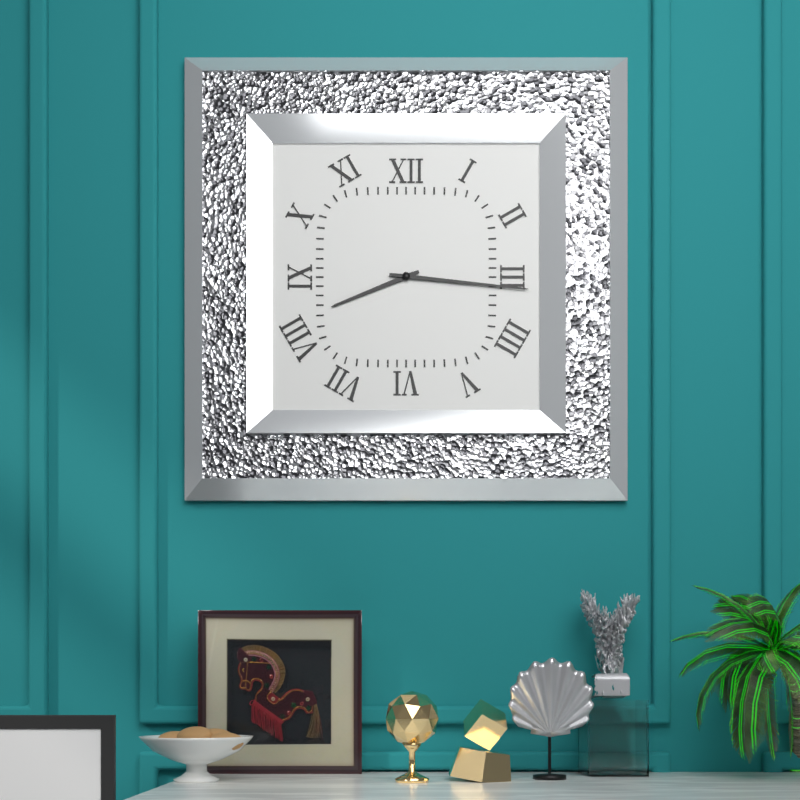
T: **8:16**
